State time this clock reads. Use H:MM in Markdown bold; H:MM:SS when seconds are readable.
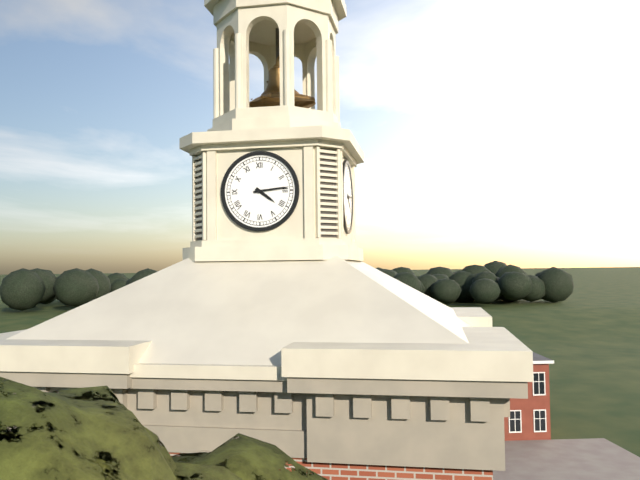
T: **4:14**
